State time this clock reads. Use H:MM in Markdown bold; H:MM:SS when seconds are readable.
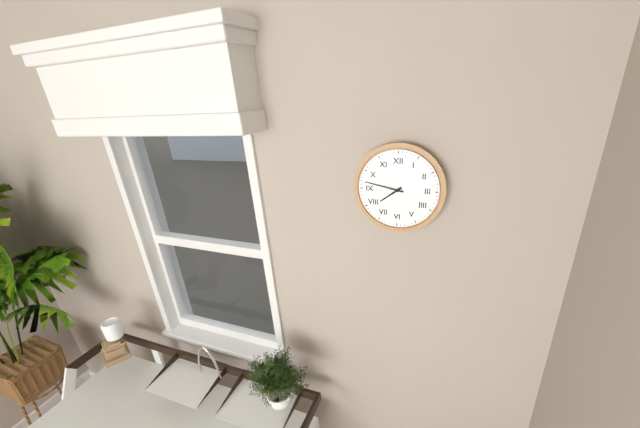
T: **7:47**
